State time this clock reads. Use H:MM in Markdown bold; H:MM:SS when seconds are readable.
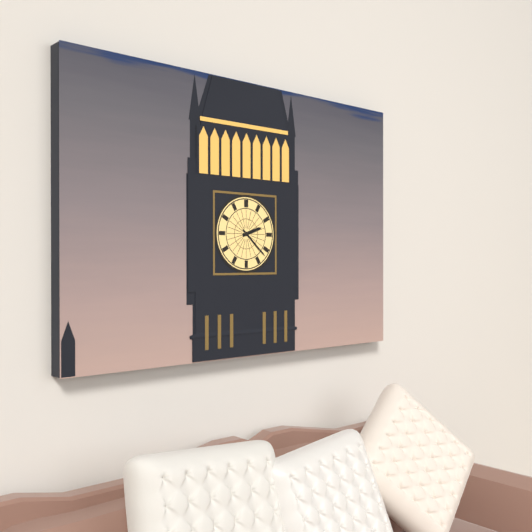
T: **2:22**
